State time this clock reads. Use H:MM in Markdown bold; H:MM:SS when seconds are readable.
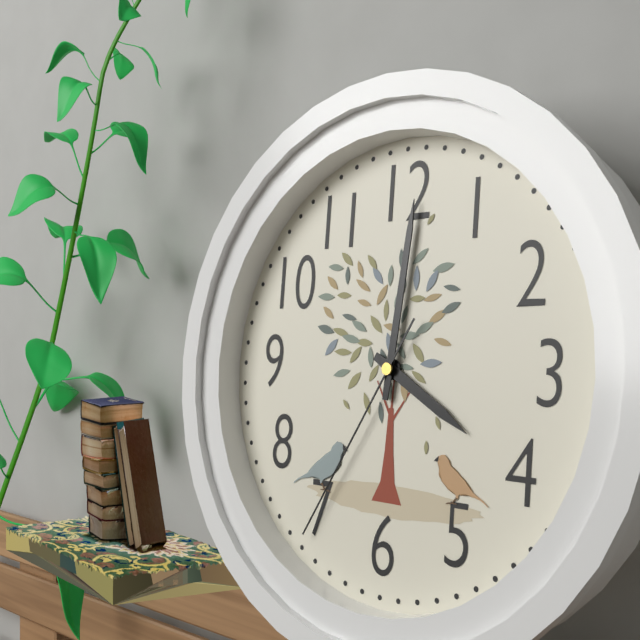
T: **4:01:35**
